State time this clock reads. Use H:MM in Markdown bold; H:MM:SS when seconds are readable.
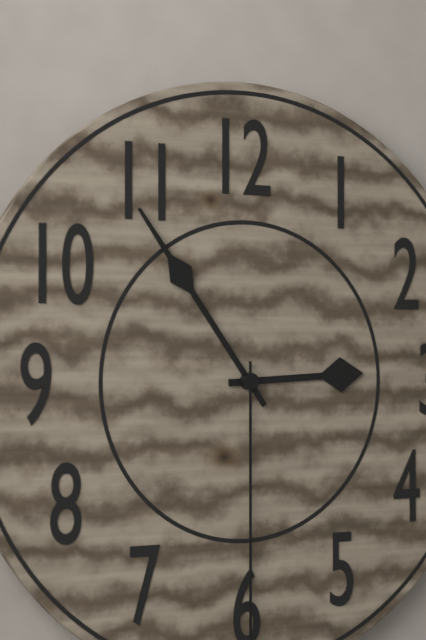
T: **2:54:30**
